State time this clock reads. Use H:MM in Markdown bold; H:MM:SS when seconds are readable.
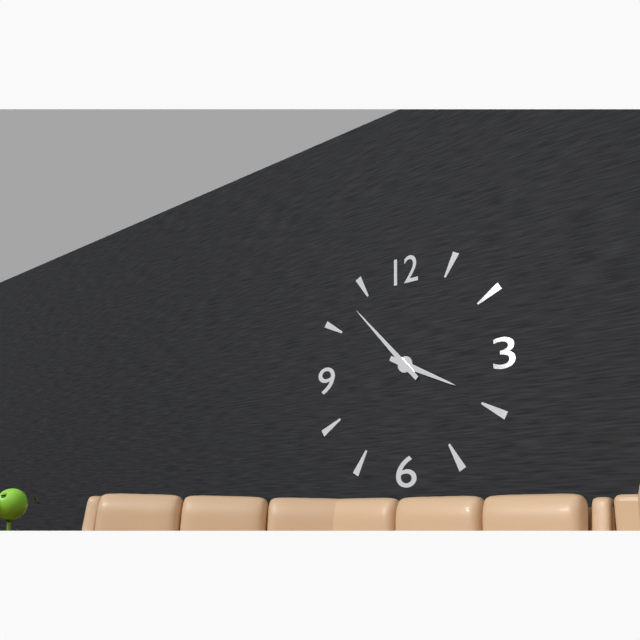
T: **3:53**
